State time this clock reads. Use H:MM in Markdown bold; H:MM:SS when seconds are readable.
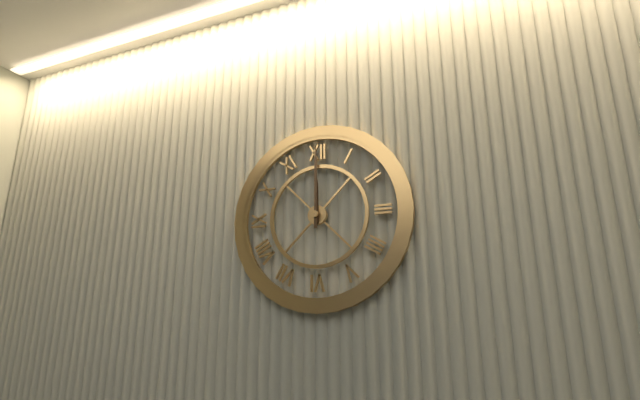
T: **12:00**
